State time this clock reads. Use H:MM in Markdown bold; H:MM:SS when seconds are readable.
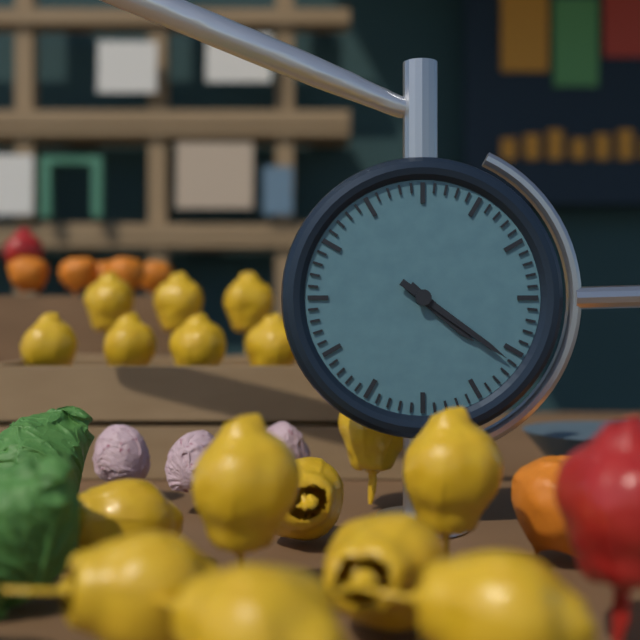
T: **4:21**
